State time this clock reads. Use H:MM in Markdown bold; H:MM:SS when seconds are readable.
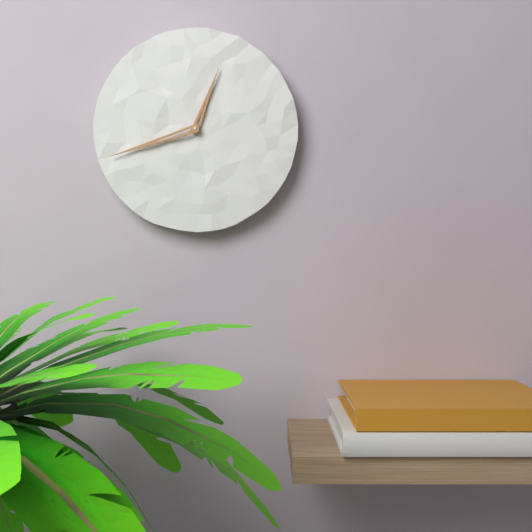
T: **12:42**
